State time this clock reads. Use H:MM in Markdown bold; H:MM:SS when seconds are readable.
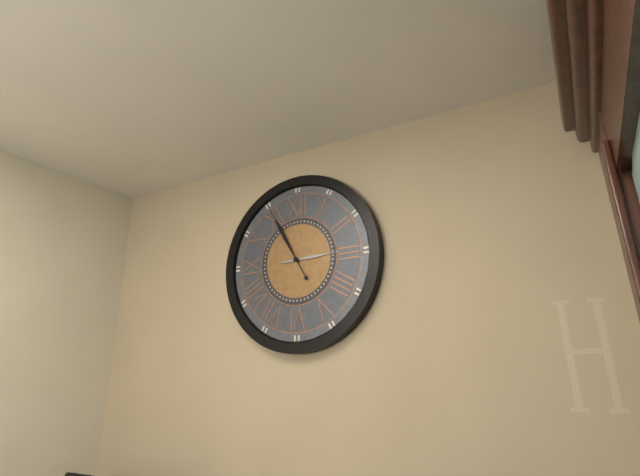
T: **2:55**
